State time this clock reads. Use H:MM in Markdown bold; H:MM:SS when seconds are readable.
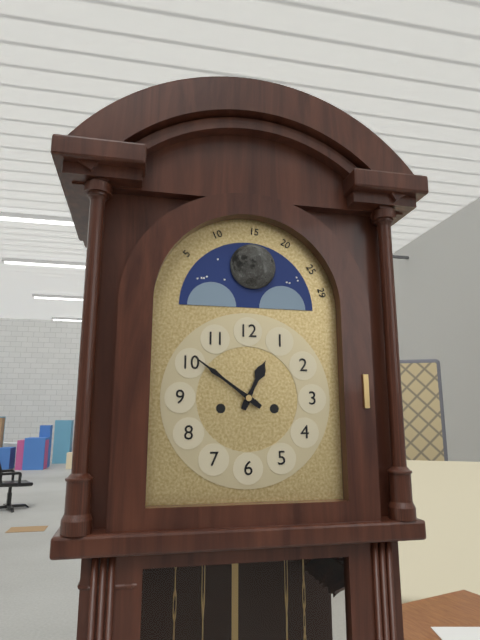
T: **12:51**
